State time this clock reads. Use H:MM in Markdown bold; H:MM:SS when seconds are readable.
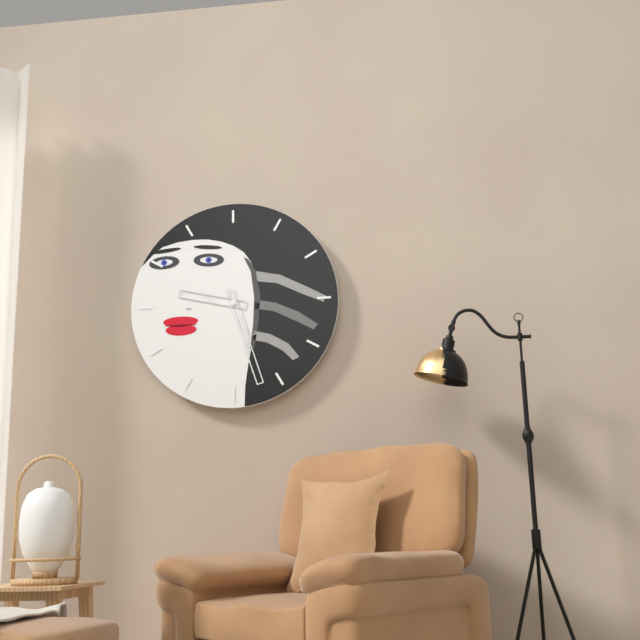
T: **9:27**
